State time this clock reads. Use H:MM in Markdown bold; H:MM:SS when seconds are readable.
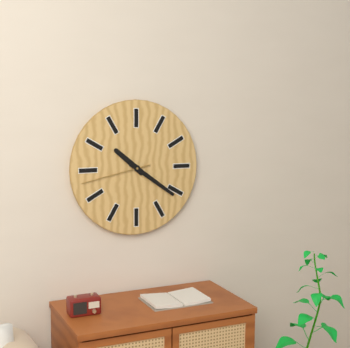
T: **10:21:43**
